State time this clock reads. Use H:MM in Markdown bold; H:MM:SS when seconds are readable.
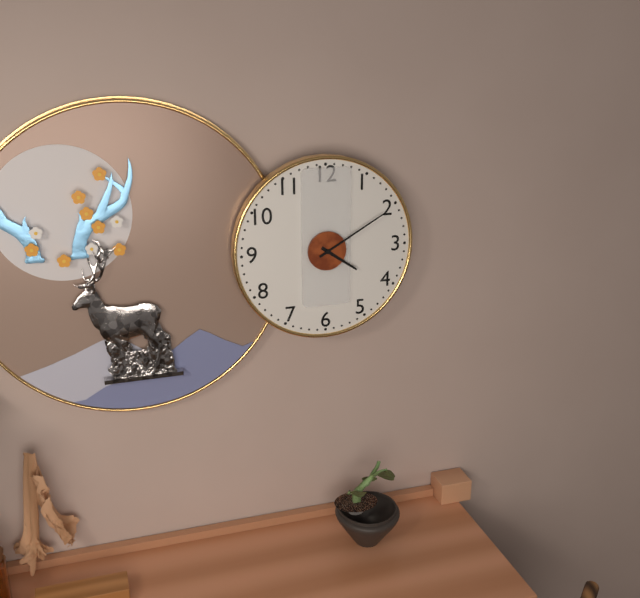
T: **4:10**
